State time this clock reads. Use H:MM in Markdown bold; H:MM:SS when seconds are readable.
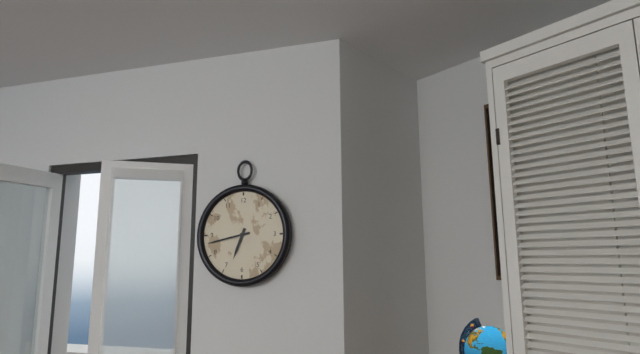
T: **6:43**
